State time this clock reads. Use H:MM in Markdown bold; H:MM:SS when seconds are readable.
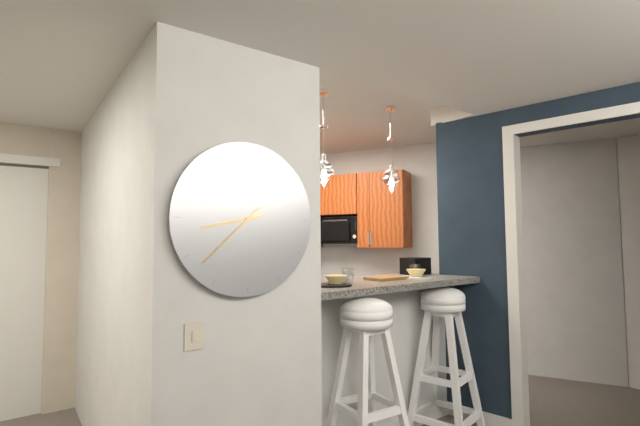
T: **8:38**
